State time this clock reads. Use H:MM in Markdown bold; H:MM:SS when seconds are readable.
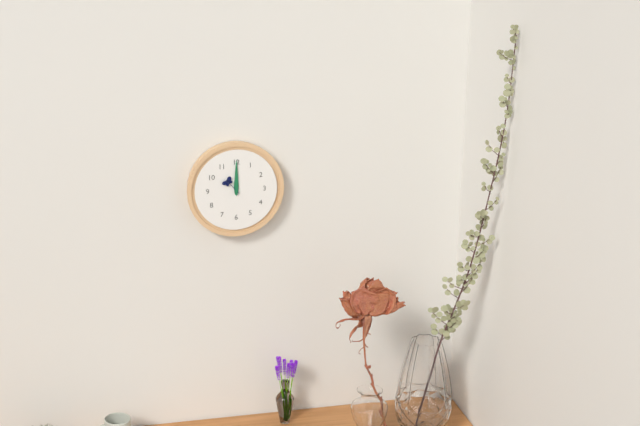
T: **12:00**
